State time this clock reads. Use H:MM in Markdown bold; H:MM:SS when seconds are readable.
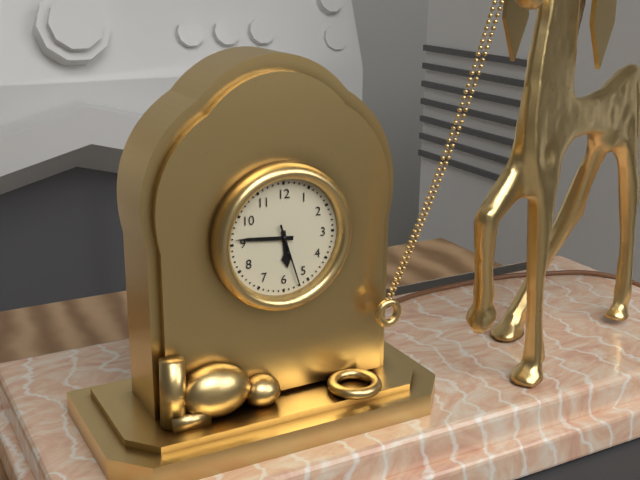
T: **5:46:27**
